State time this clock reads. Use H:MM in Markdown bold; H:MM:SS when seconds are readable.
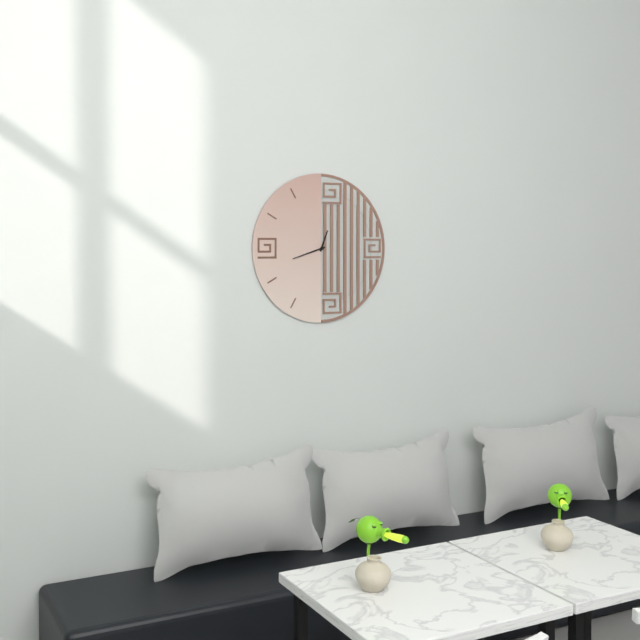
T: **12:42**
